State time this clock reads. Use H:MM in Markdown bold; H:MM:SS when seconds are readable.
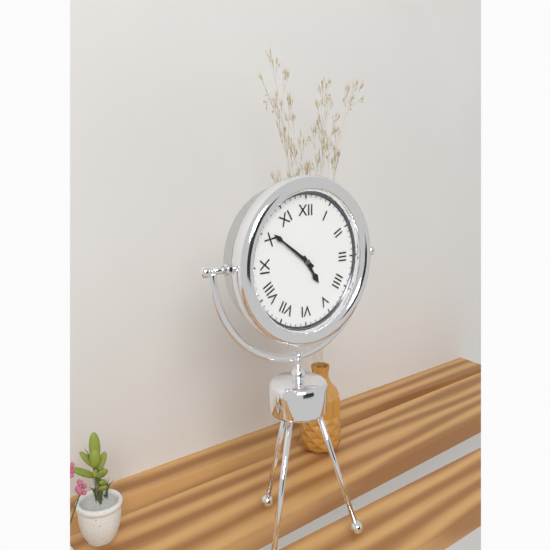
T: **4:51**
